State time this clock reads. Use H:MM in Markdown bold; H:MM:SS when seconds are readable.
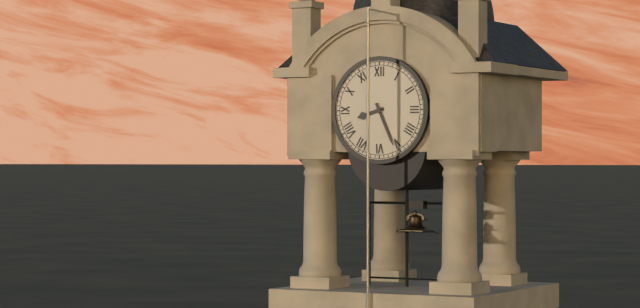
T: **8:26**
